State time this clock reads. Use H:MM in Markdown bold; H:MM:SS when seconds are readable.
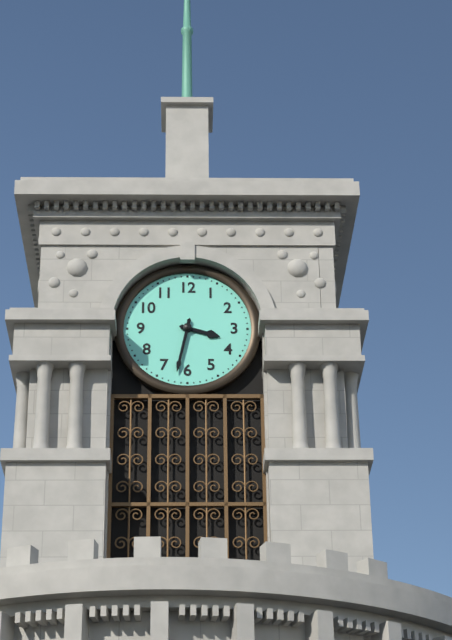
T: **3:32**
